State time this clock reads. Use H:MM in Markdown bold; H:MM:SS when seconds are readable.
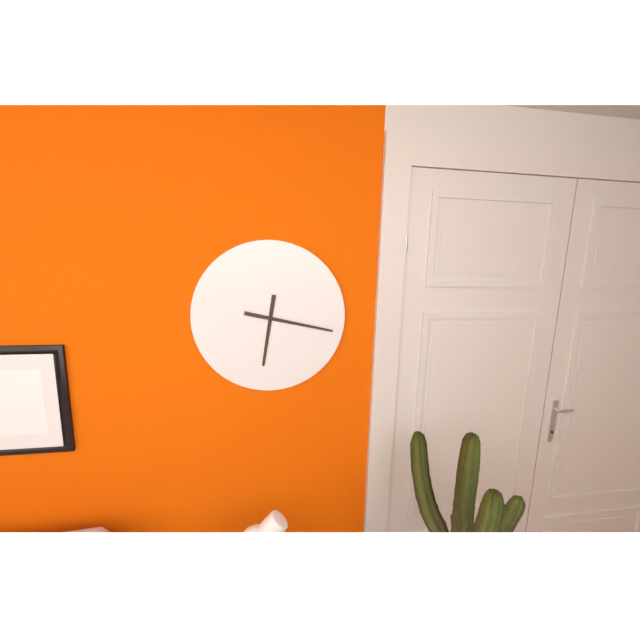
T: **6:17**
